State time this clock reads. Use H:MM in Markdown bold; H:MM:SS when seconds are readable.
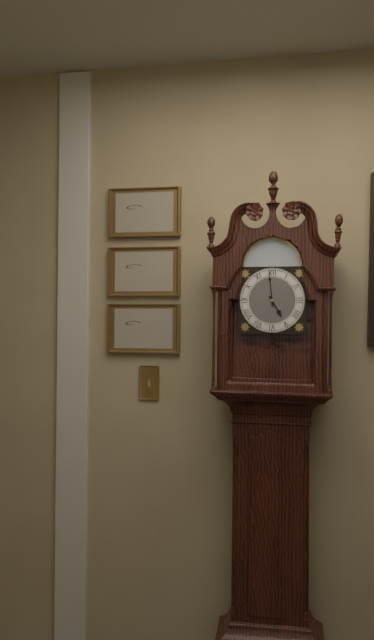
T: **4:59**
